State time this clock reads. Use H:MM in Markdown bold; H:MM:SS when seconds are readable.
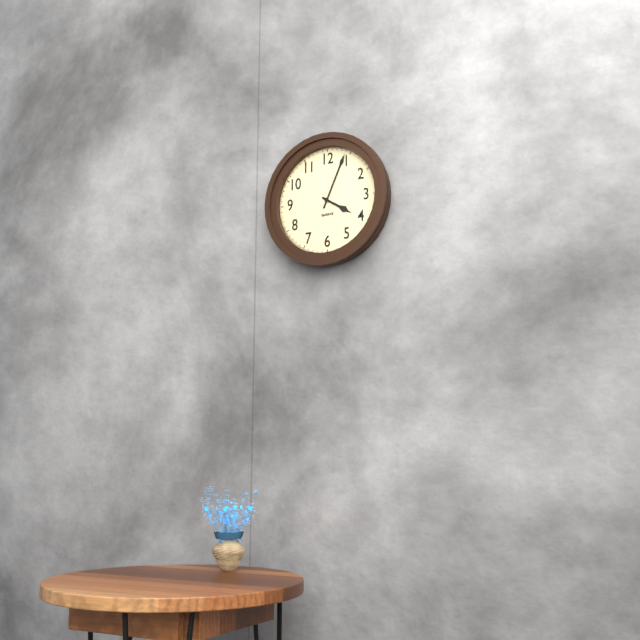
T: **4:04**
